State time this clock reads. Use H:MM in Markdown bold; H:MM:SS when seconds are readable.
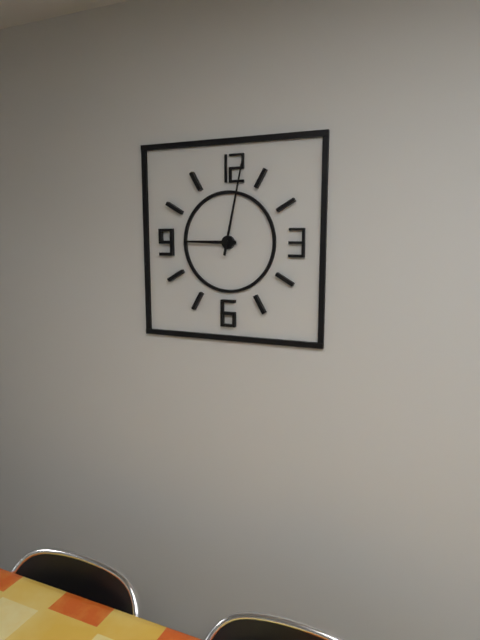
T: **9:02**
